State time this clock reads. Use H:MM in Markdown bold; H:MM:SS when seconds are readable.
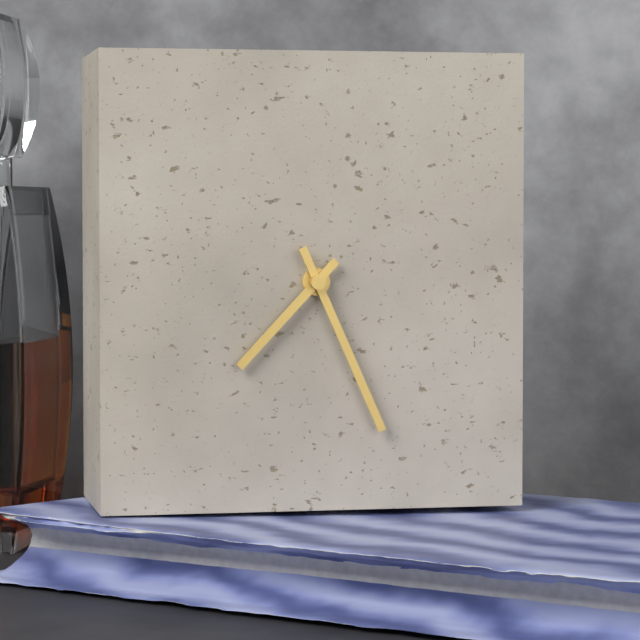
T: **7:26**
